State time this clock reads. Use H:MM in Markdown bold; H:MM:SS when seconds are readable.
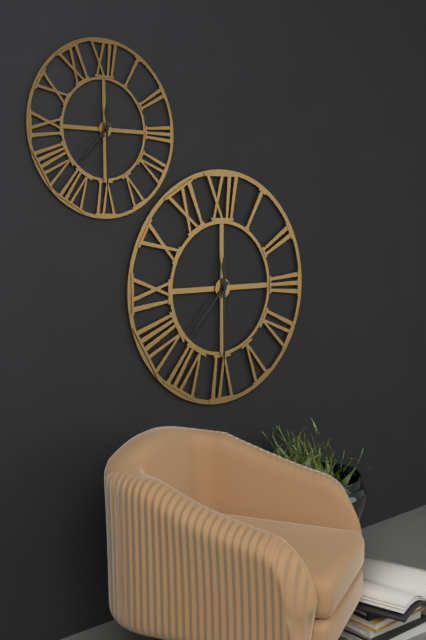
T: **7:30**
